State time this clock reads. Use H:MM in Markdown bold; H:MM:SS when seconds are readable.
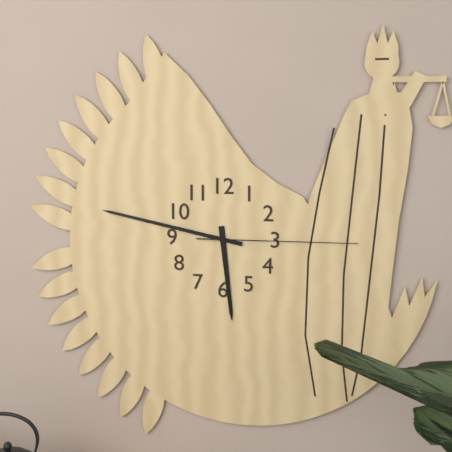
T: **5:47:15**
